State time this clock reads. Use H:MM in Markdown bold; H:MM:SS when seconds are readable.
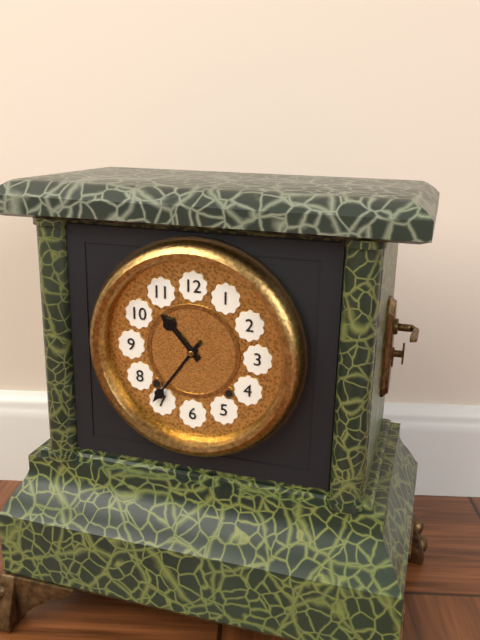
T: **10:36**
